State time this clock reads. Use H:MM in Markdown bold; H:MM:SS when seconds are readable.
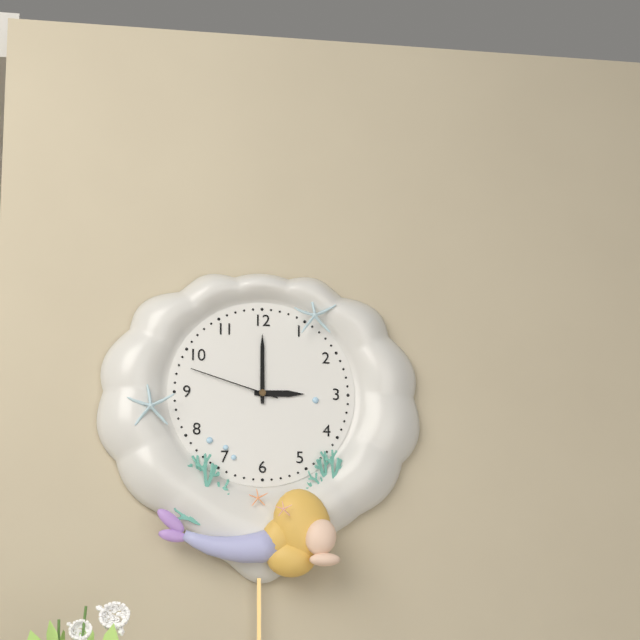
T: **3:00:48**
